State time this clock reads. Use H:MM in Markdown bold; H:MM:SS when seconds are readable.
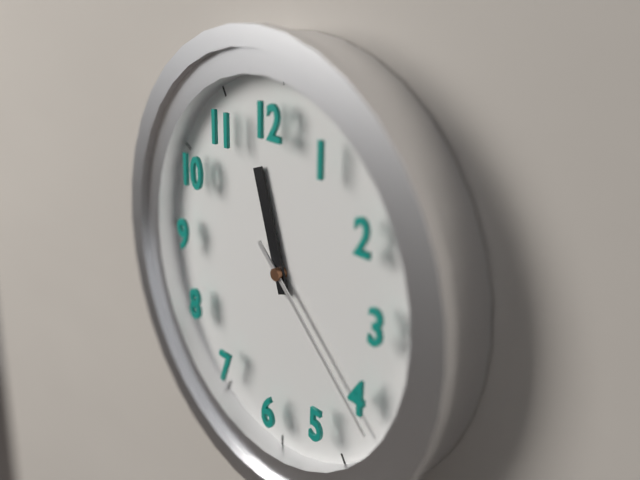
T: **11:22**
